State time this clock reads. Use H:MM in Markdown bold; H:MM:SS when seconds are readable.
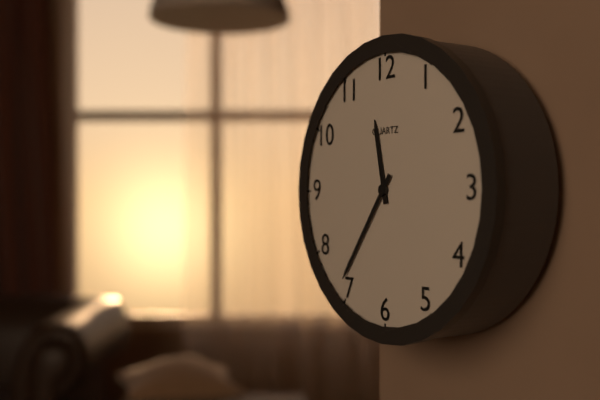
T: **11:36**
